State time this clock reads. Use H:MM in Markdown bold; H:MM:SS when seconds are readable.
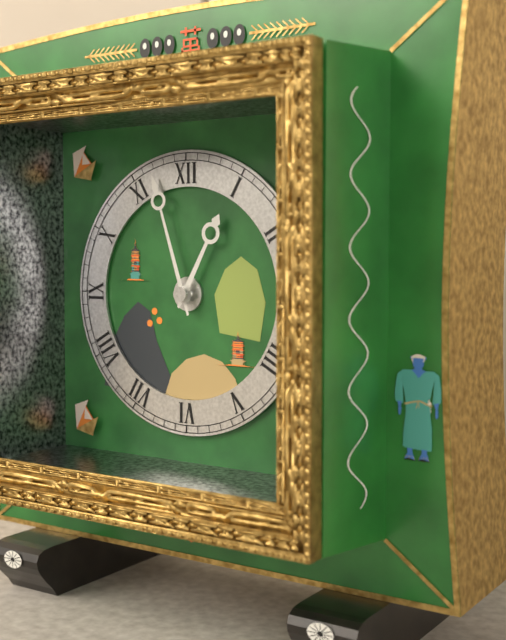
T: **12:57**
